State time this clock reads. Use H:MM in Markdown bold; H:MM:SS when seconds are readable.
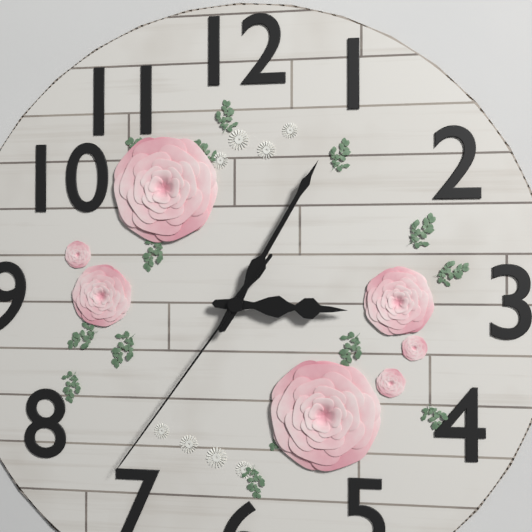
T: **3:05:36**
